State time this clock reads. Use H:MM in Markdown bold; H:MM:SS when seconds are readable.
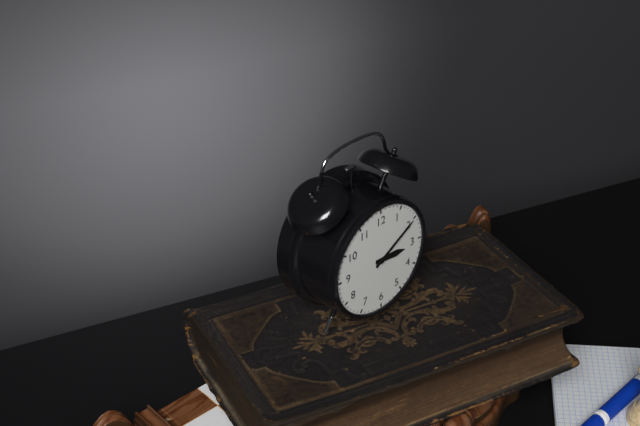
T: **3:10**
